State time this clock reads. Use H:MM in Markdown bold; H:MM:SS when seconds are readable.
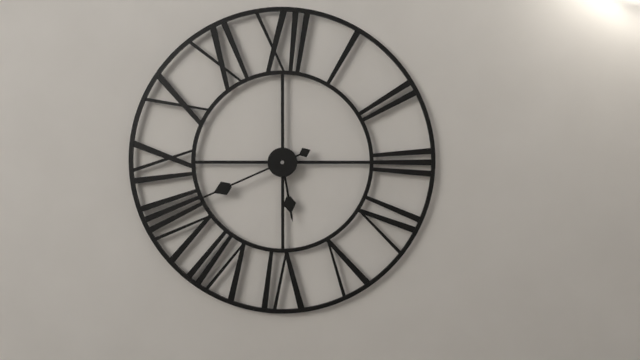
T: **5:41**
